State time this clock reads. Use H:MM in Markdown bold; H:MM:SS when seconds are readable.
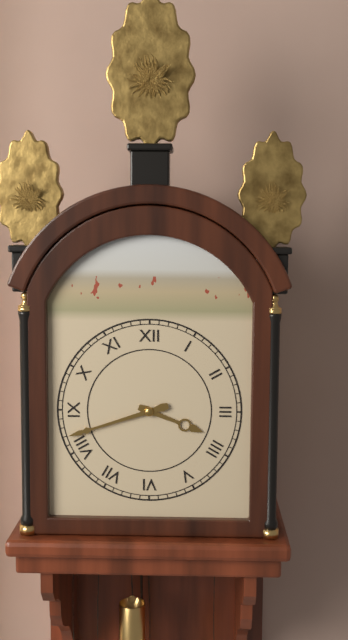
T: **3:42**
